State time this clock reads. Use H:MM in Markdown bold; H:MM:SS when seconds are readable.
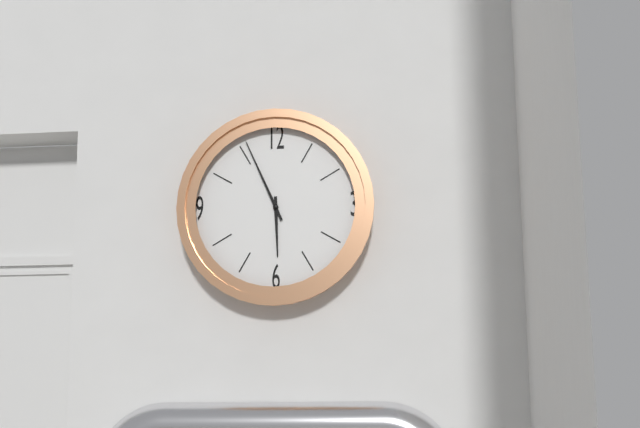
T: **5:56**
